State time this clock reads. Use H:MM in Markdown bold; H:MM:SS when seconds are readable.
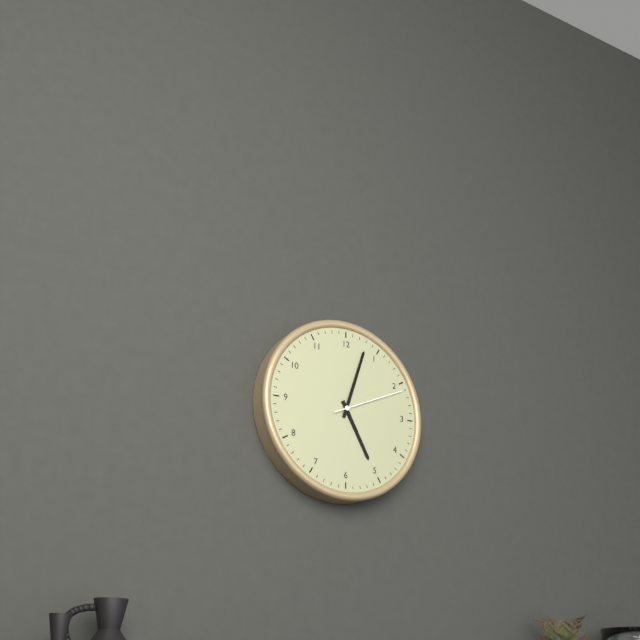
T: **5:03:11**
